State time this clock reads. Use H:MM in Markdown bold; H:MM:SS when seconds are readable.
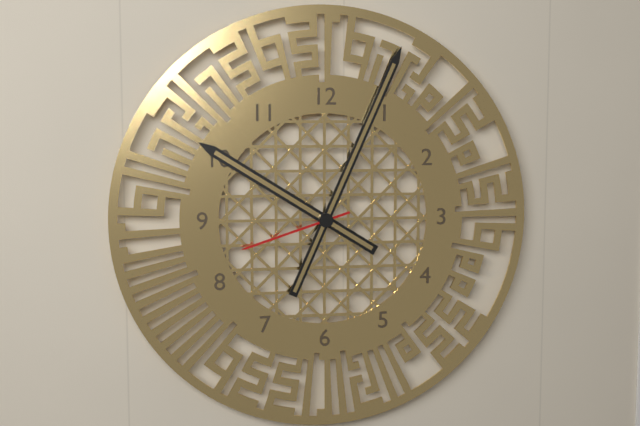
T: **10:04:42**
